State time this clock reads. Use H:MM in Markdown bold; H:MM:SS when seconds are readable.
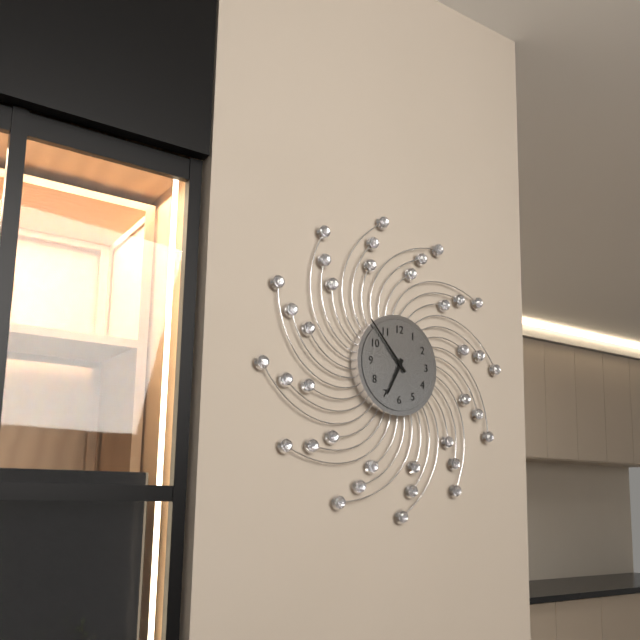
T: **6:53**
